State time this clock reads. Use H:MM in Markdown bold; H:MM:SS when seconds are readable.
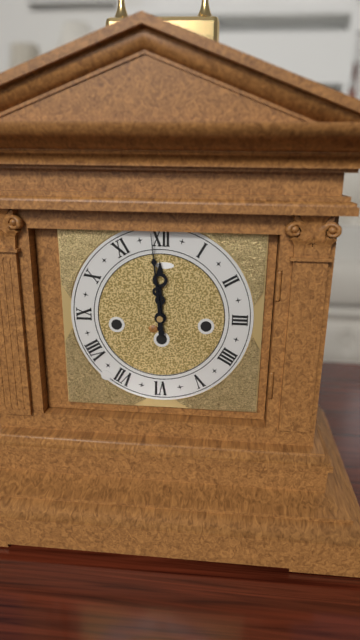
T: **11:59**
